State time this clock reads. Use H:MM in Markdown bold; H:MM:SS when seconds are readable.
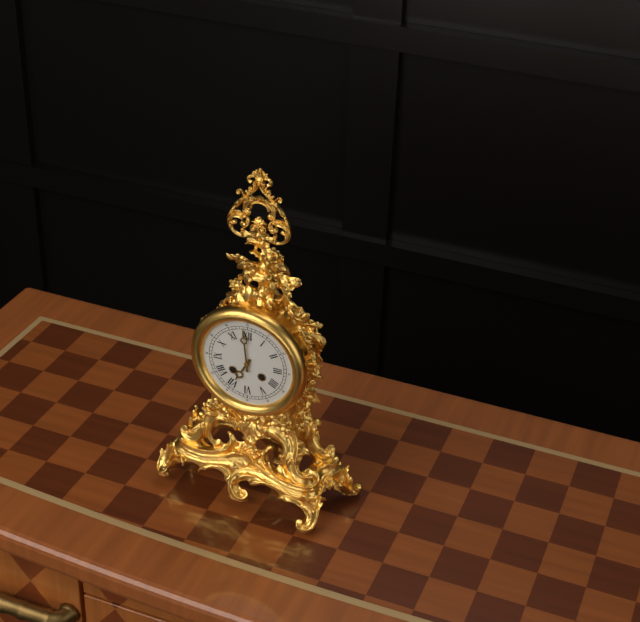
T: **6:59**
